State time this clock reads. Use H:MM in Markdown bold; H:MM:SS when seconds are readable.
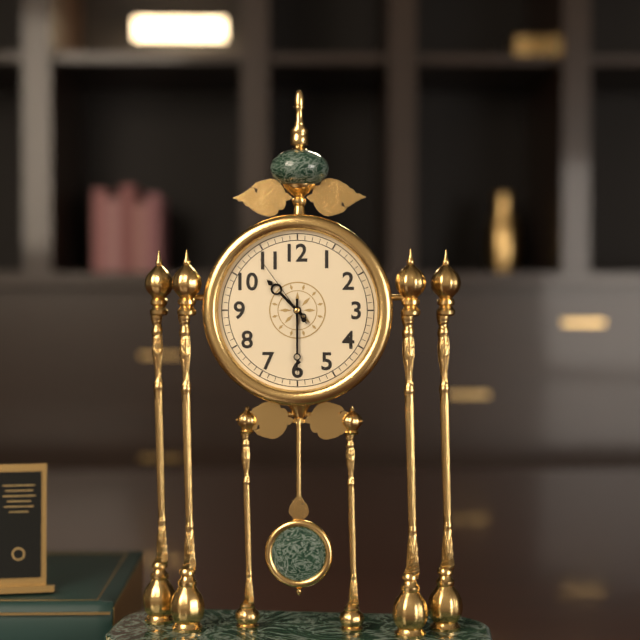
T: **10:30:54**
